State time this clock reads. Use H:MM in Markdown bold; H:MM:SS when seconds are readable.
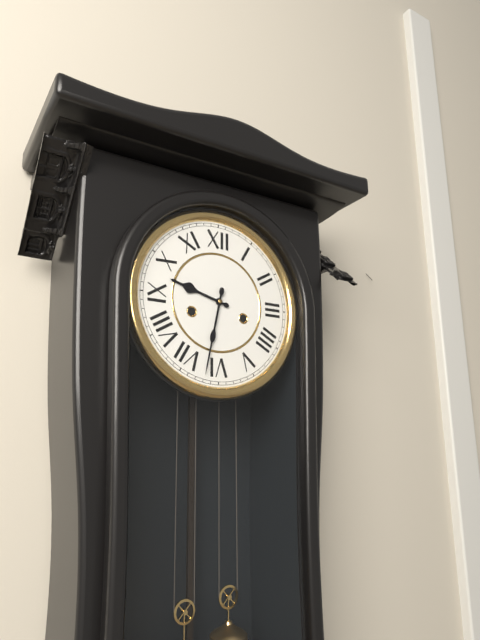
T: **9:32**
